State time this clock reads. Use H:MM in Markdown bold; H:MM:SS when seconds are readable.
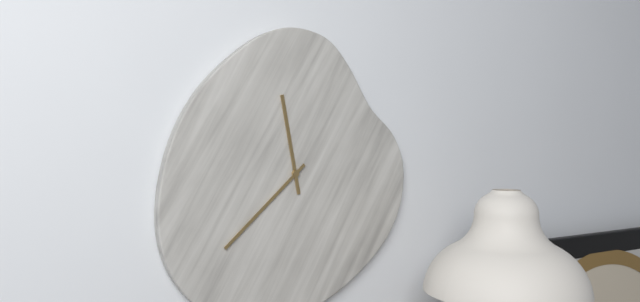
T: **11:38**
